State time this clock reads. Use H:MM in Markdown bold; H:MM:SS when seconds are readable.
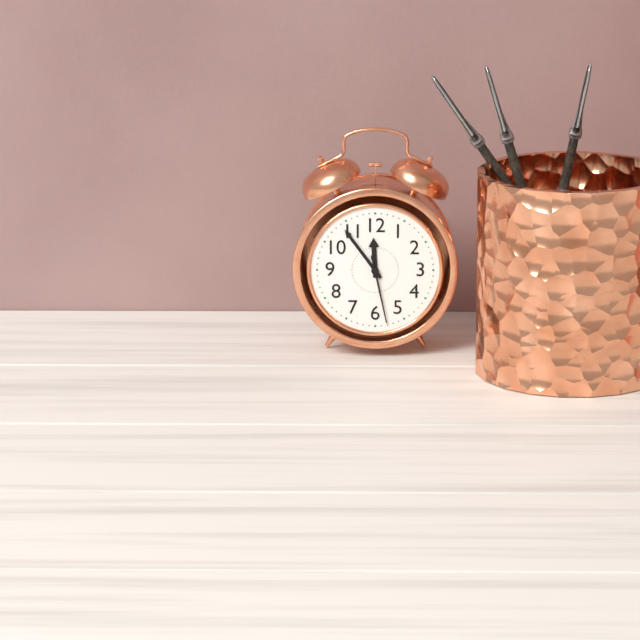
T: **11:54:28**
